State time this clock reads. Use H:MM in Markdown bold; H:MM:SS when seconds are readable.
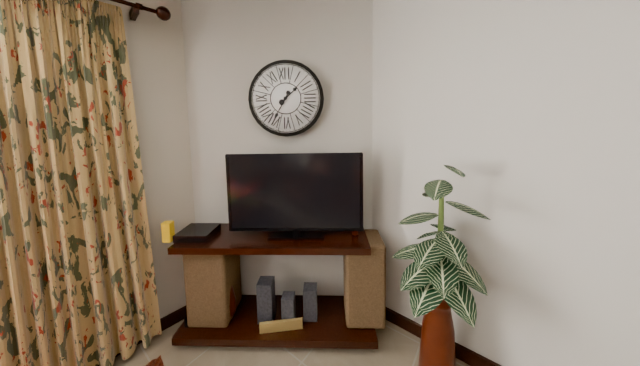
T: **1:35**
